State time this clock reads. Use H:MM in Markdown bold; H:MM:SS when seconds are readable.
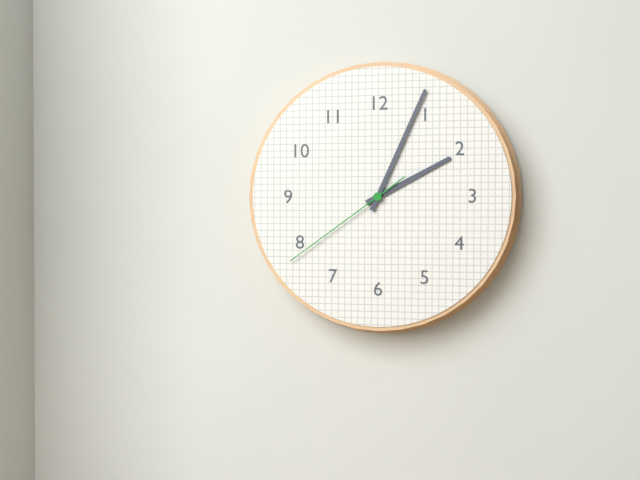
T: **2:04:39**
